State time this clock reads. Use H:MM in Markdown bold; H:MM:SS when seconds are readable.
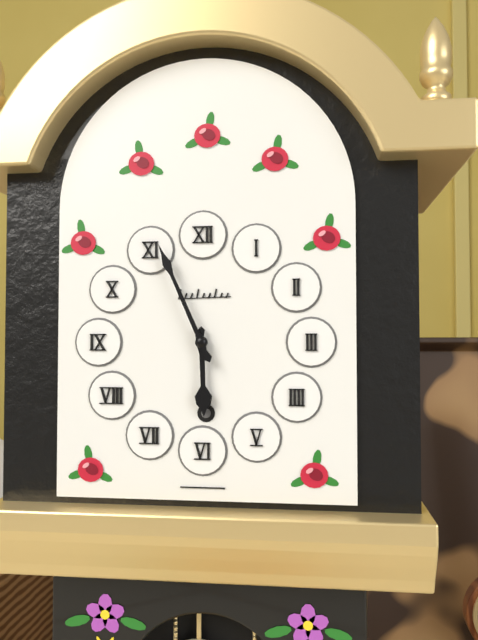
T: **5:56**
